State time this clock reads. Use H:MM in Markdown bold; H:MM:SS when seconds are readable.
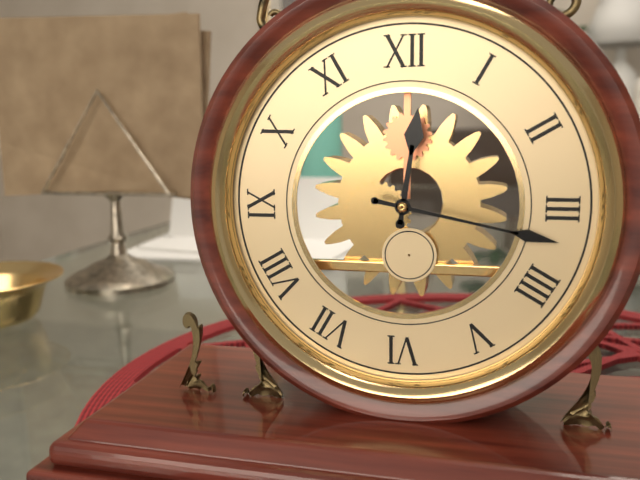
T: **12:17**
